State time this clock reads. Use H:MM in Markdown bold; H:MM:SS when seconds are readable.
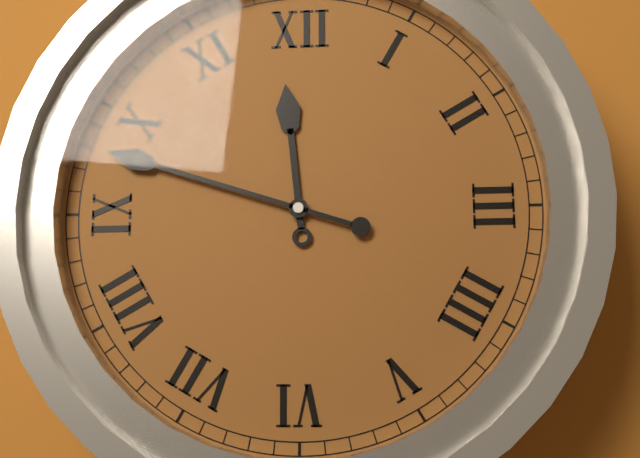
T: **11:48**
